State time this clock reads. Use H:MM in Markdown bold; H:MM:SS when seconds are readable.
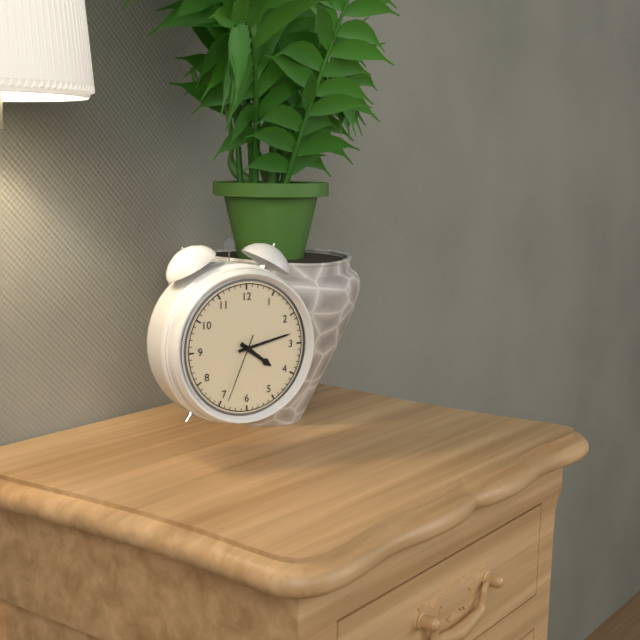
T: **4:13:34**
